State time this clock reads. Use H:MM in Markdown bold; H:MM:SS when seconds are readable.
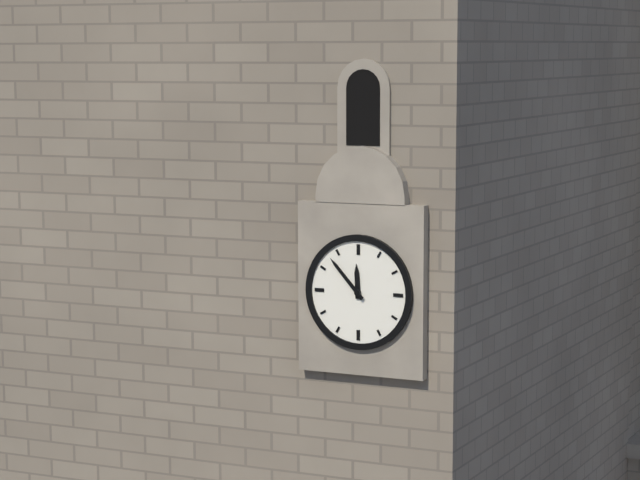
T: **11:53**
